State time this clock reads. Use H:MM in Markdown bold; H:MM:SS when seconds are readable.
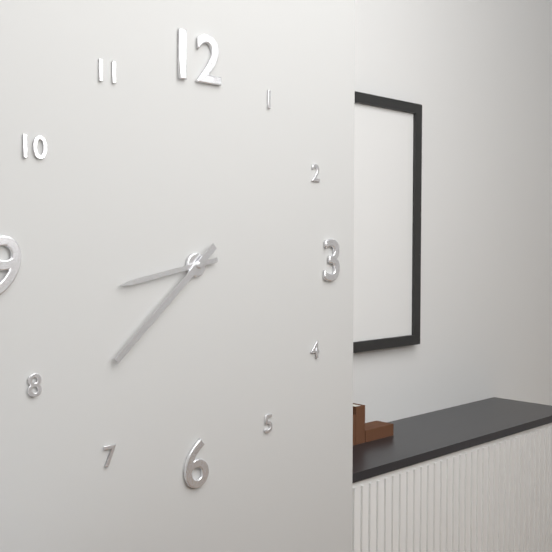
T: **8:38**
